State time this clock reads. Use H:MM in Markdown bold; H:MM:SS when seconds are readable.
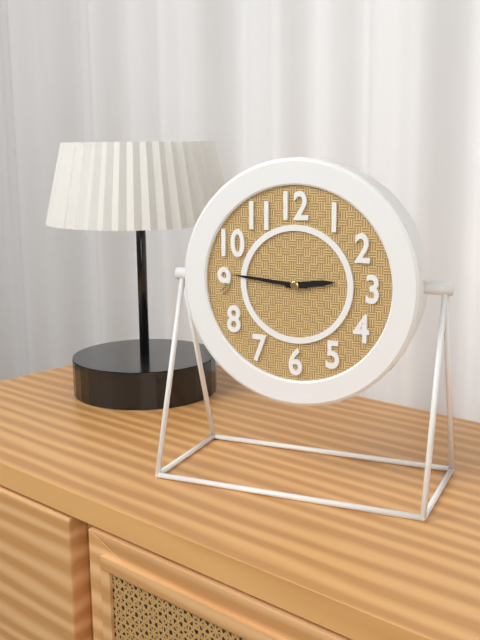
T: **2:46**
